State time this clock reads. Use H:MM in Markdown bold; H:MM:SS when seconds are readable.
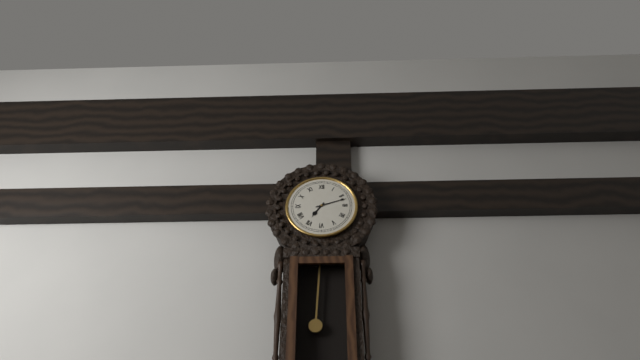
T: **7:12**
